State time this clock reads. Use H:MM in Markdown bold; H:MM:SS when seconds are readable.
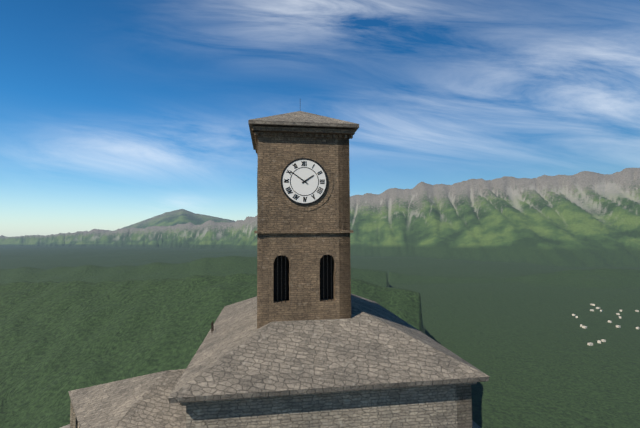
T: **1:51**
